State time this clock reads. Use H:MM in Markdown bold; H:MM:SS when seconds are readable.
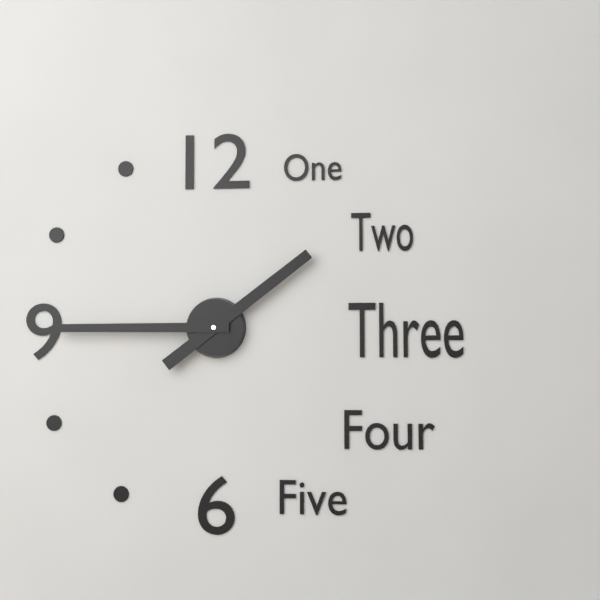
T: **1:45**
